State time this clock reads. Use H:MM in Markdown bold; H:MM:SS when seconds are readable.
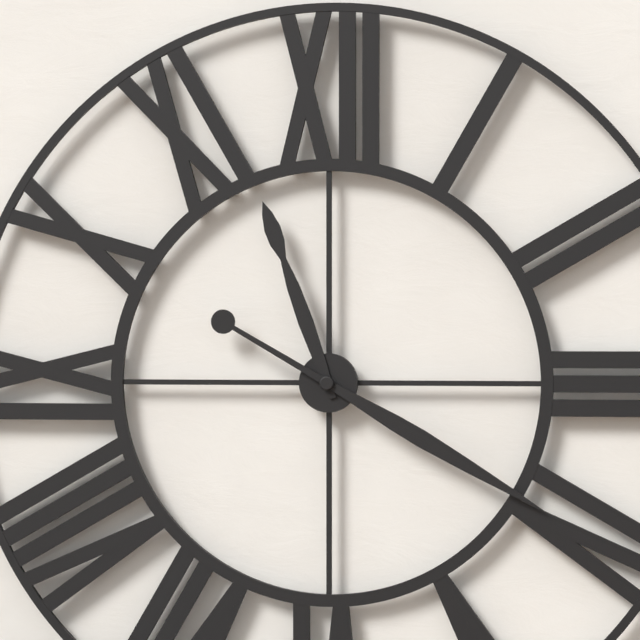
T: **11:20**
